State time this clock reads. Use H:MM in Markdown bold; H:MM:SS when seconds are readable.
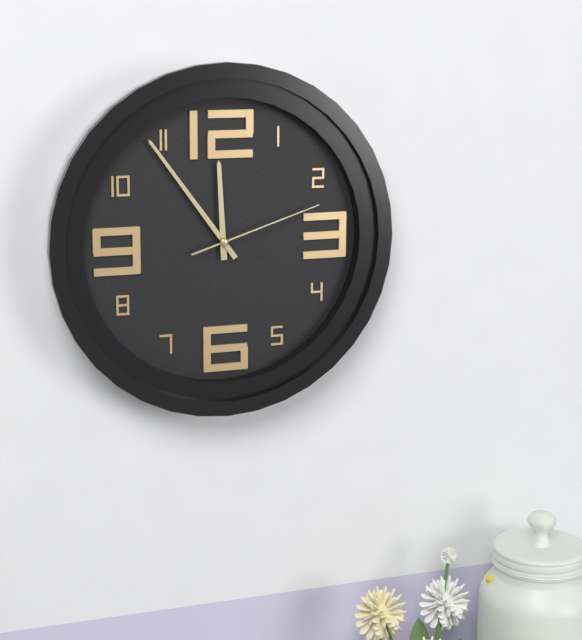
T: **11:54:12**
